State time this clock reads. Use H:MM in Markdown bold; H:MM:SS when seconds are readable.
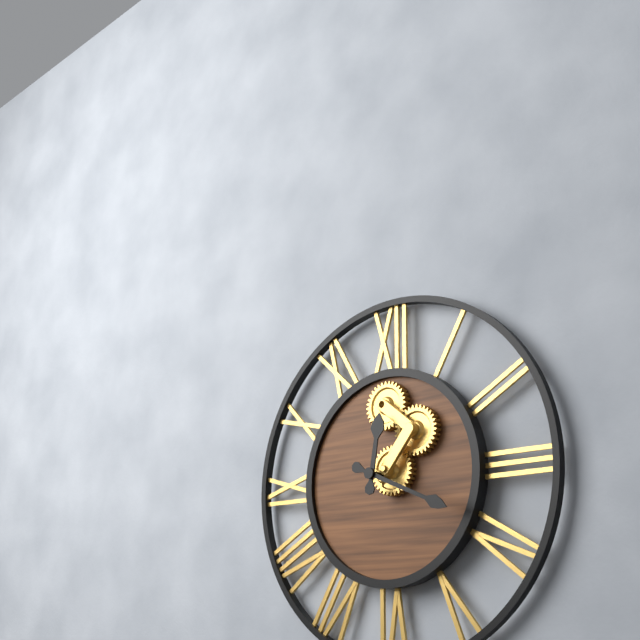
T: **12:19**
